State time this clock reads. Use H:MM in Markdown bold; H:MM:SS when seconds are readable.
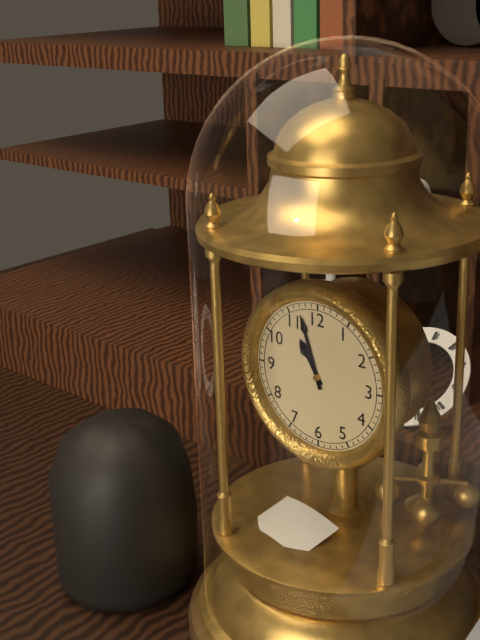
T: **10:57**
